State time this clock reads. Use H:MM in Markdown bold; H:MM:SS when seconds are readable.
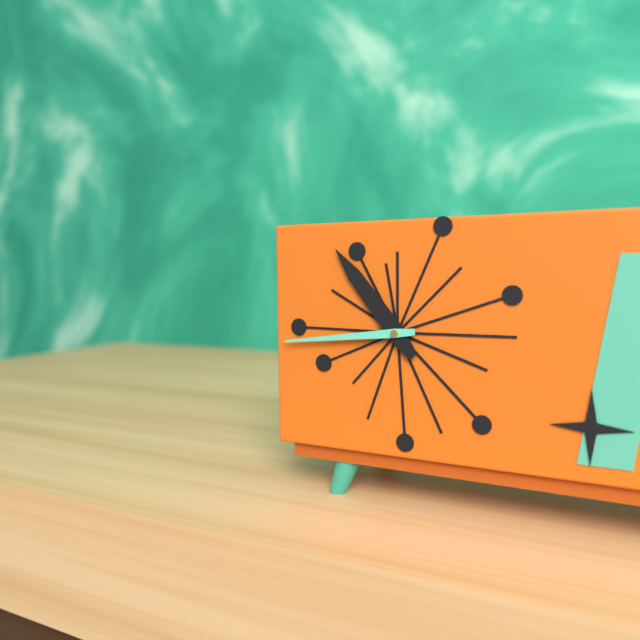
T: **10:44**
